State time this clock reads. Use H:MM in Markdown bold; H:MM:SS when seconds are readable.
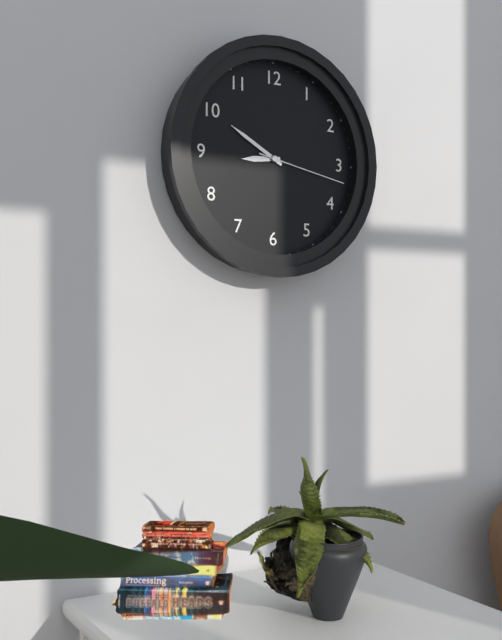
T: **8:50:17**
